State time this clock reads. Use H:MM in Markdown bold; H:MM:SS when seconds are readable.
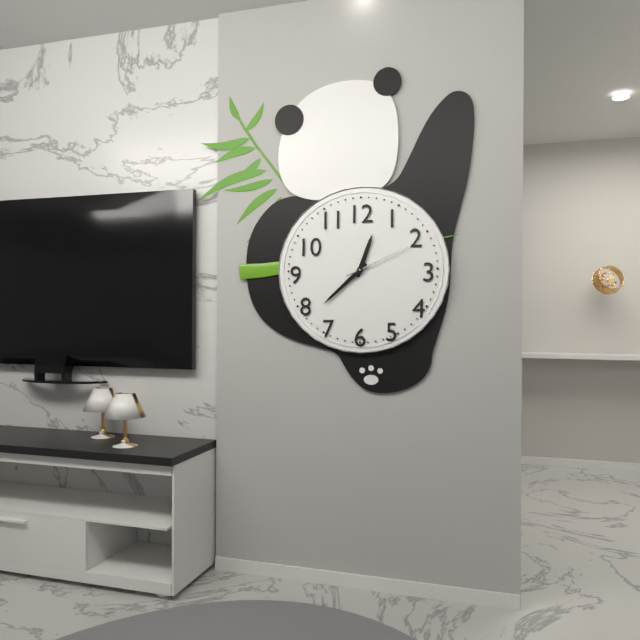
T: **12:38:11**
